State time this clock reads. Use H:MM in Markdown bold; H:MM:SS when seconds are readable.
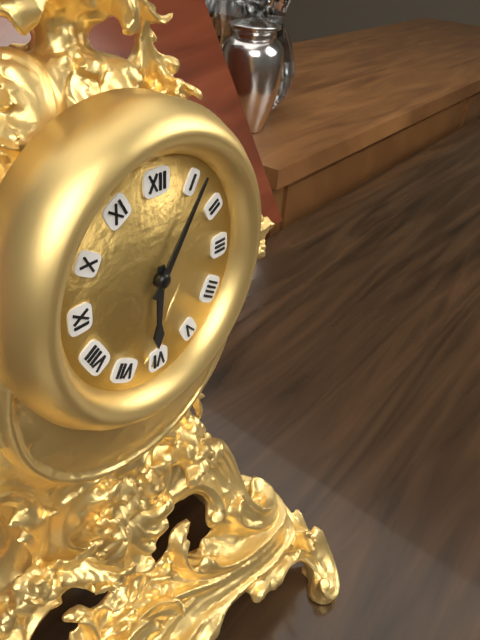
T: **6:06**
